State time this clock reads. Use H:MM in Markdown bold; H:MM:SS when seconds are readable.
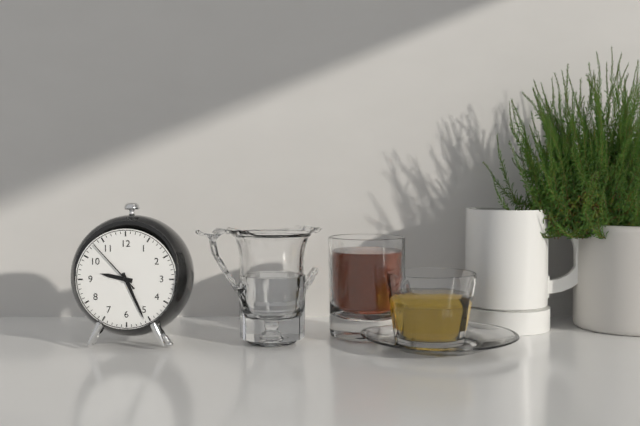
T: **9:26:53**
